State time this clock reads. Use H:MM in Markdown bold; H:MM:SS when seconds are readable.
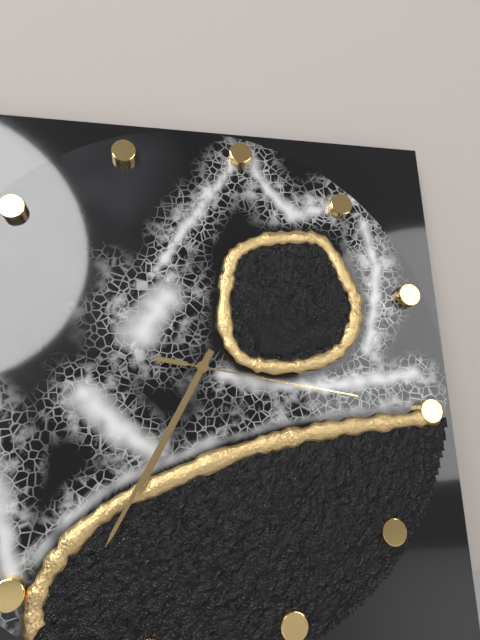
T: **6:33:15**
